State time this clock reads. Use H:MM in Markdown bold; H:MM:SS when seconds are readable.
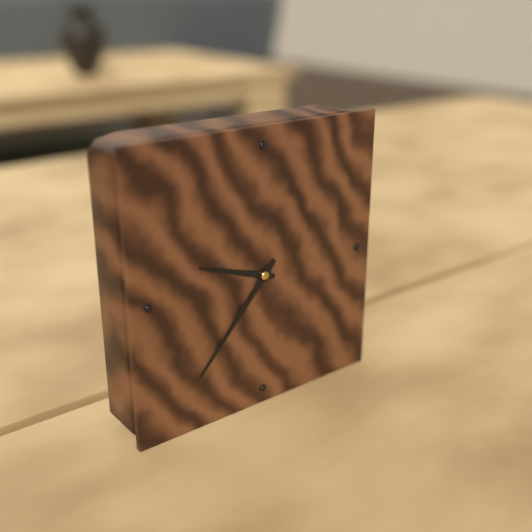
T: **9:37**
